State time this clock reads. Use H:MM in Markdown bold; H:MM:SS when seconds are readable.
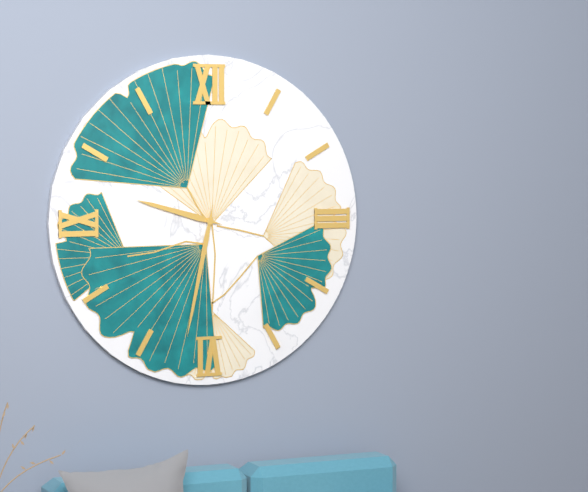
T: **9:32**
